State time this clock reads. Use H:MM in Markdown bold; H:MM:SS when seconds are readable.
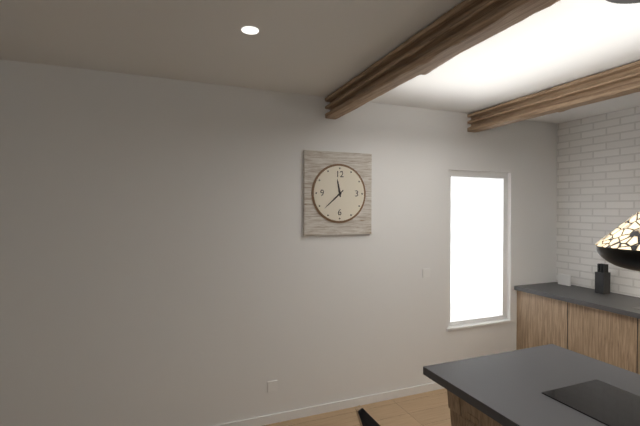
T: **11:38**
